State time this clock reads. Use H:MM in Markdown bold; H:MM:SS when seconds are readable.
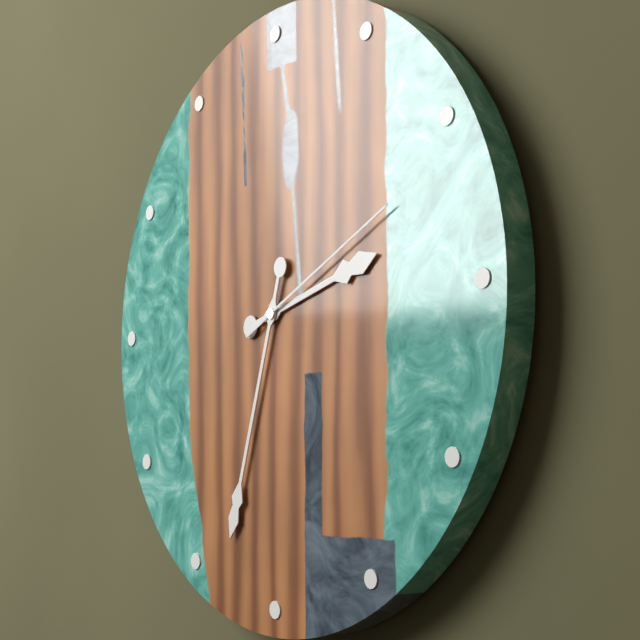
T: **2:33:11**
